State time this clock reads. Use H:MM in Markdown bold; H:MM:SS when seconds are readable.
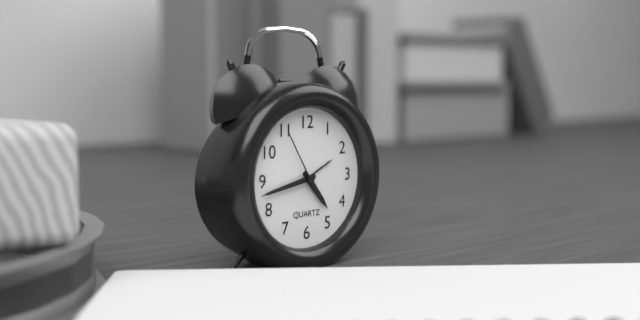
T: **4:43:55**
